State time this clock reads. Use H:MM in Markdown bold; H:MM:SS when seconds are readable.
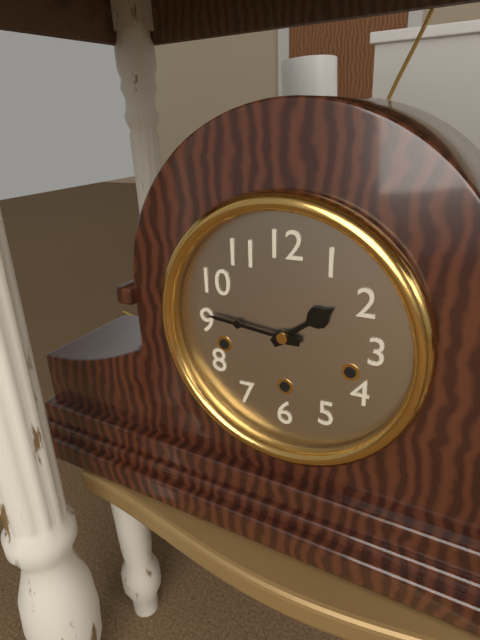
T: **1:46**
